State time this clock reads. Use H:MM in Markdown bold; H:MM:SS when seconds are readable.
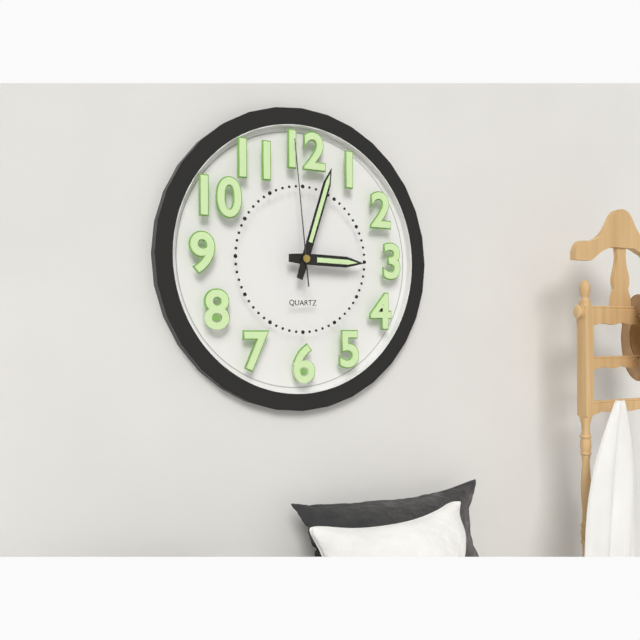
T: **3:03:59**
